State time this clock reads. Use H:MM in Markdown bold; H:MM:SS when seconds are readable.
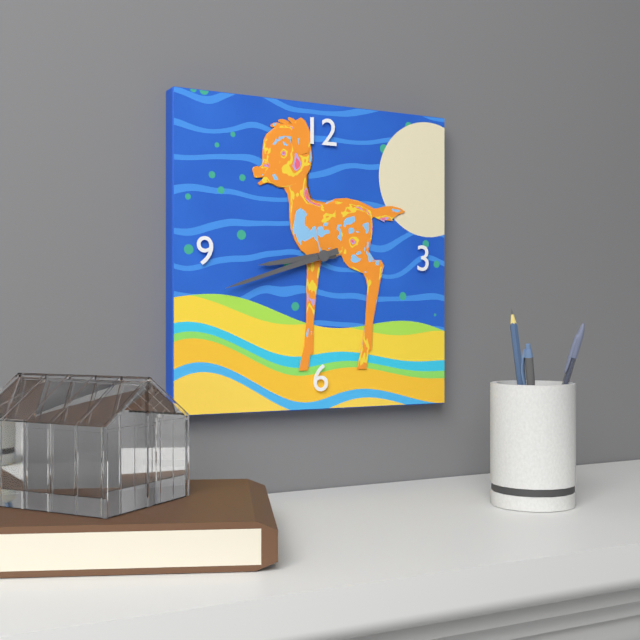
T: **8:42**
